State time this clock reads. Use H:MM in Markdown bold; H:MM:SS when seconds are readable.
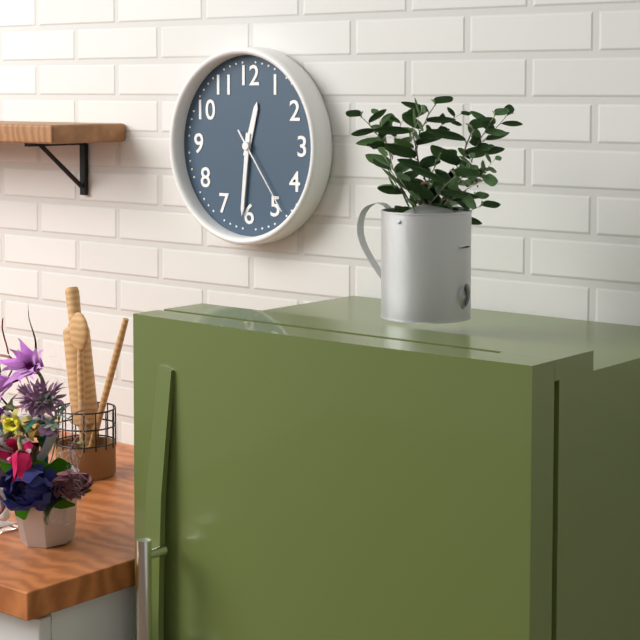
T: **12:31:24**
